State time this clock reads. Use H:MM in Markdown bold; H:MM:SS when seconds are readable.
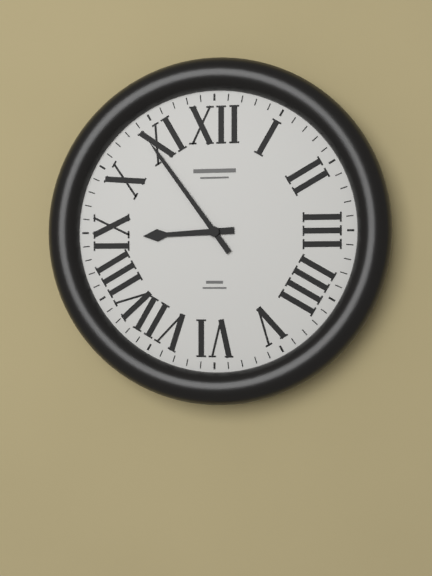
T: **8:54**
